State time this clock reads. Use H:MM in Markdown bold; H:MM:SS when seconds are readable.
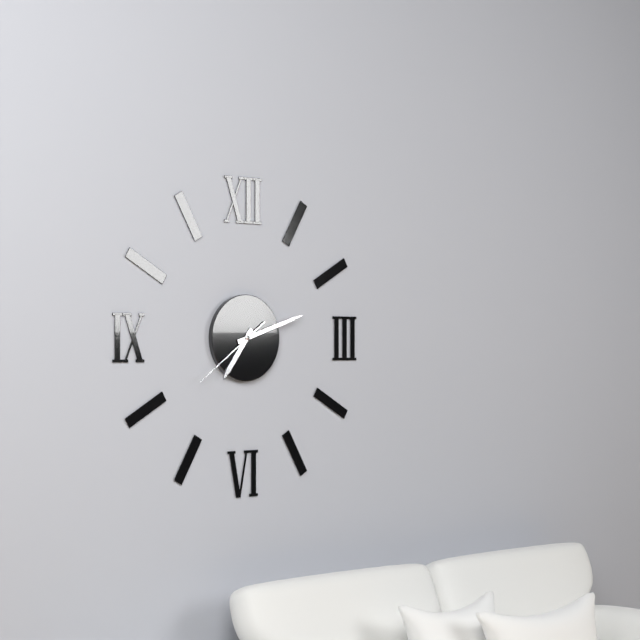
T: **7:12:39**
